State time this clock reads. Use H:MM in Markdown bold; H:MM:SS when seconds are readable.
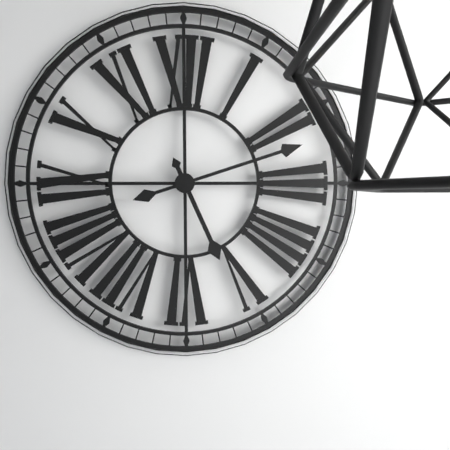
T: **5:12**
